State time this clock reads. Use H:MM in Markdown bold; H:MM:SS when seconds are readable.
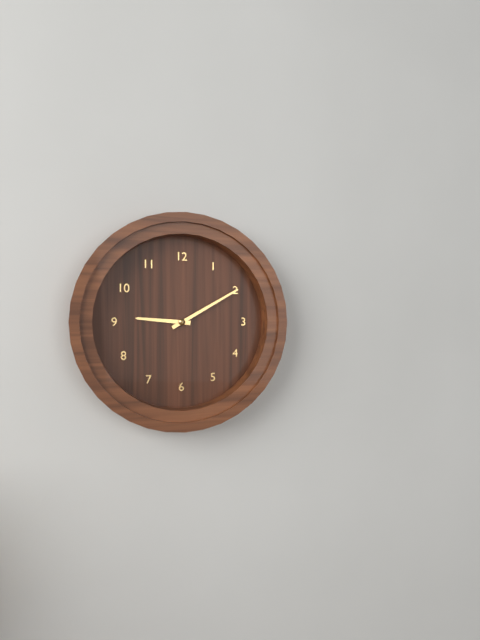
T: **9:10**
